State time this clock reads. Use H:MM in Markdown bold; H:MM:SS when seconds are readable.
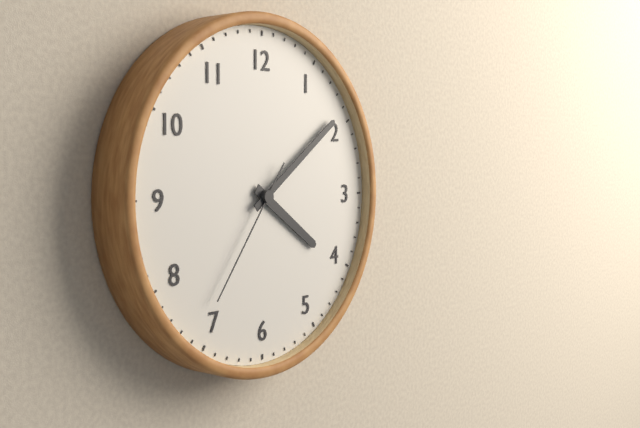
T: **4:09:36**
